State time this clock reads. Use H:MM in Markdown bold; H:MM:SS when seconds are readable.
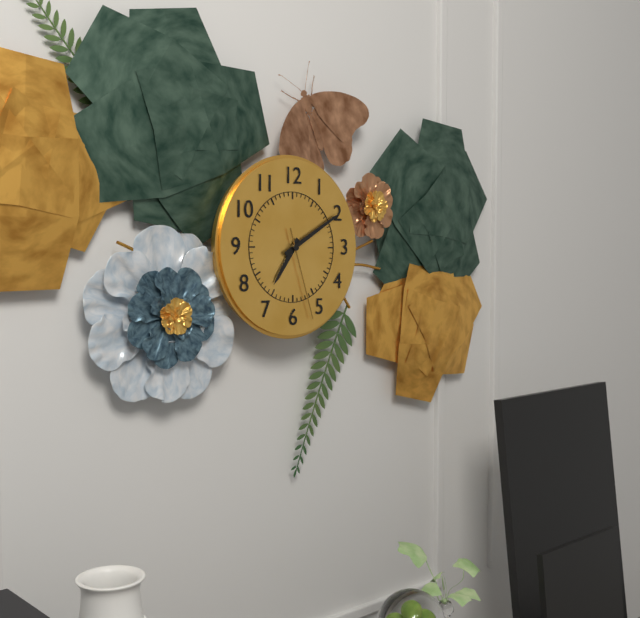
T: **7:10:27**
